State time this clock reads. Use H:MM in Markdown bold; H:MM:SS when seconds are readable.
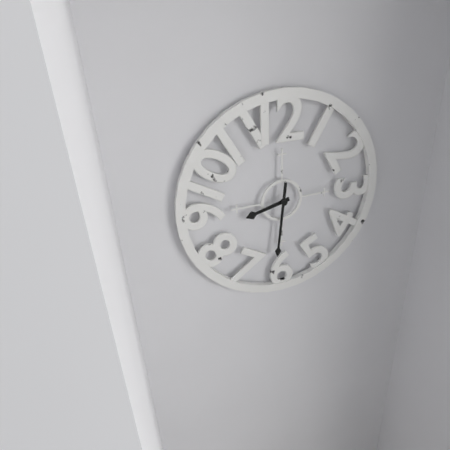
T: **8:31**
